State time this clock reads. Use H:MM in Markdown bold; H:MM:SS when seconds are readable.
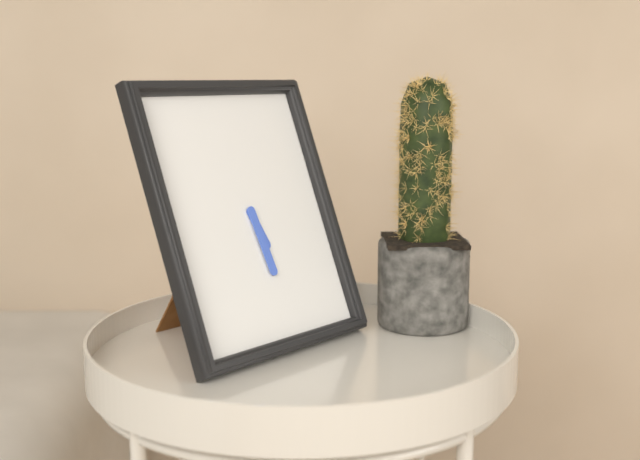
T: **5:29**
